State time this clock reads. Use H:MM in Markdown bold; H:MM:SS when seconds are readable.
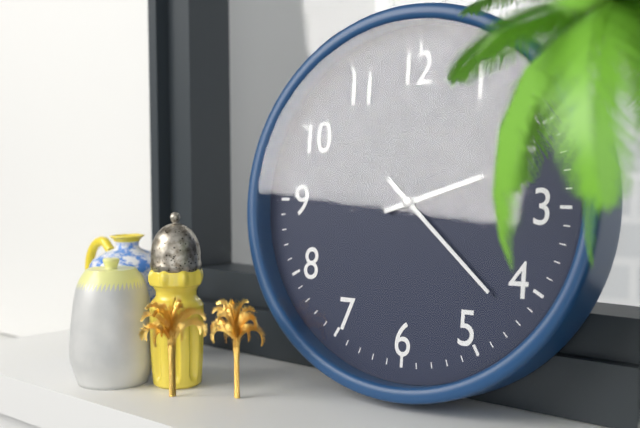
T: **2:22**
